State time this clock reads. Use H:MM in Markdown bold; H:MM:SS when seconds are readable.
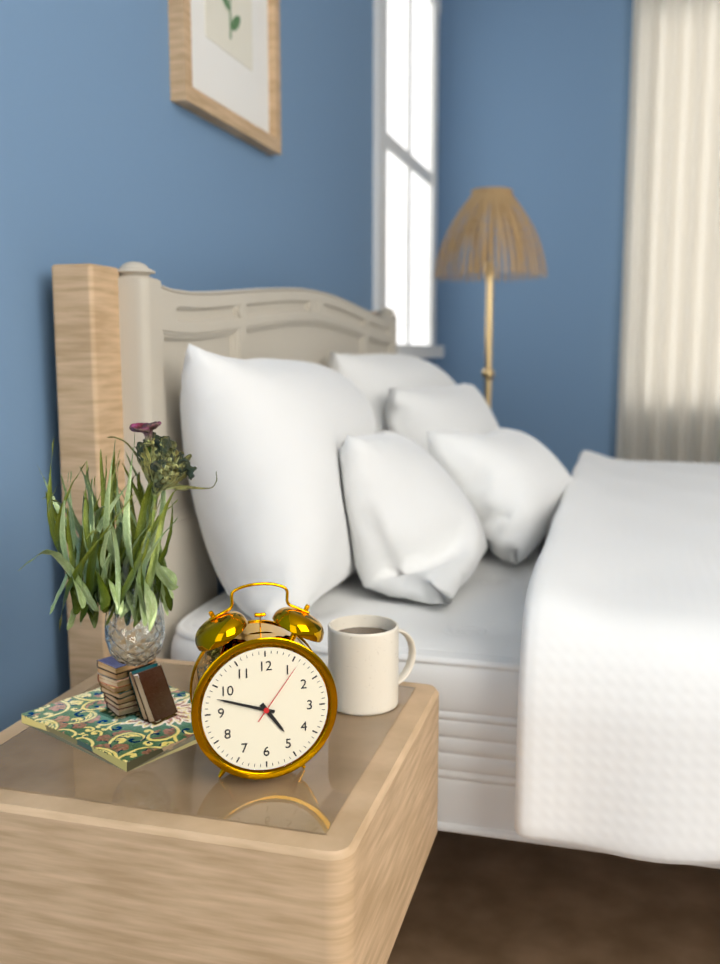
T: **4:48:06**
